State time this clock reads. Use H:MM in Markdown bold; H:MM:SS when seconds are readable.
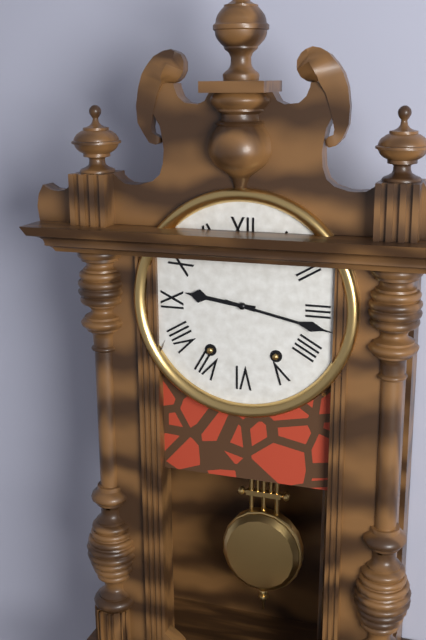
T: **9:17**
